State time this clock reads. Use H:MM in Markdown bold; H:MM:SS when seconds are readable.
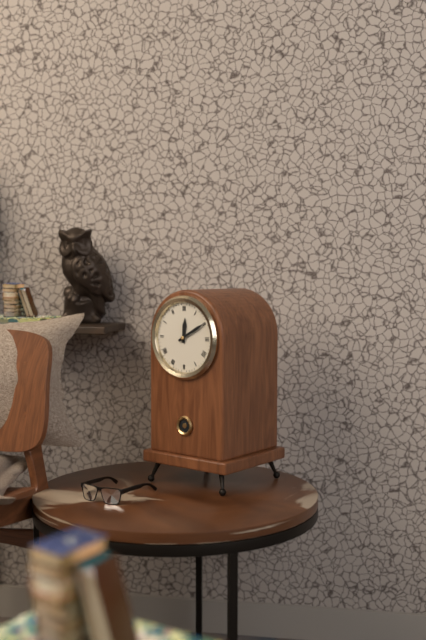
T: **12:10**
